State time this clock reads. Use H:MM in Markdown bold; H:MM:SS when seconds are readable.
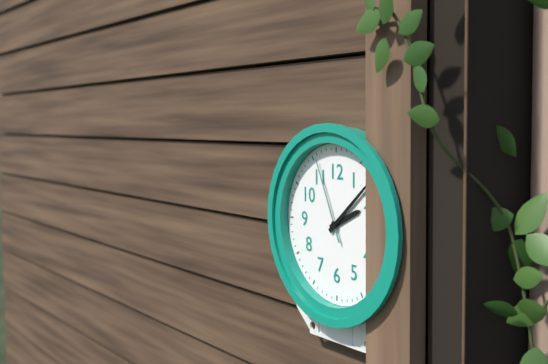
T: **2:08:56**
